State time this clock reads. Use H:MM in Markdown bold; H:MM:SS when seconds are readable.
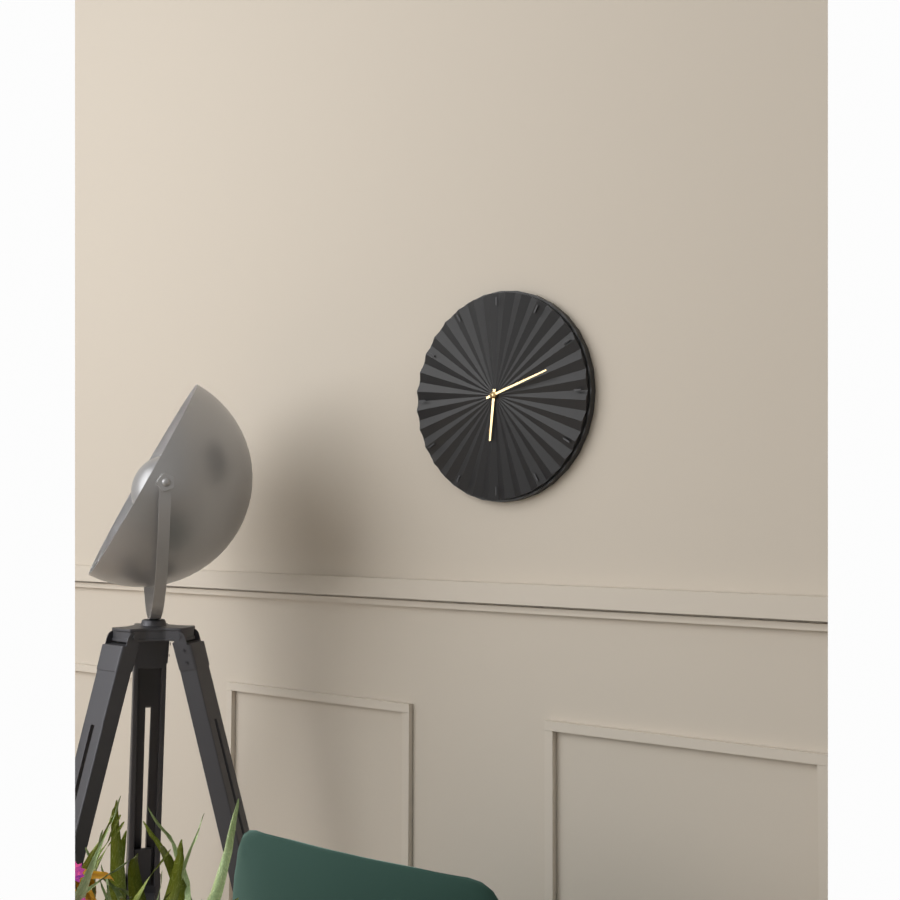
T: **6:12**
